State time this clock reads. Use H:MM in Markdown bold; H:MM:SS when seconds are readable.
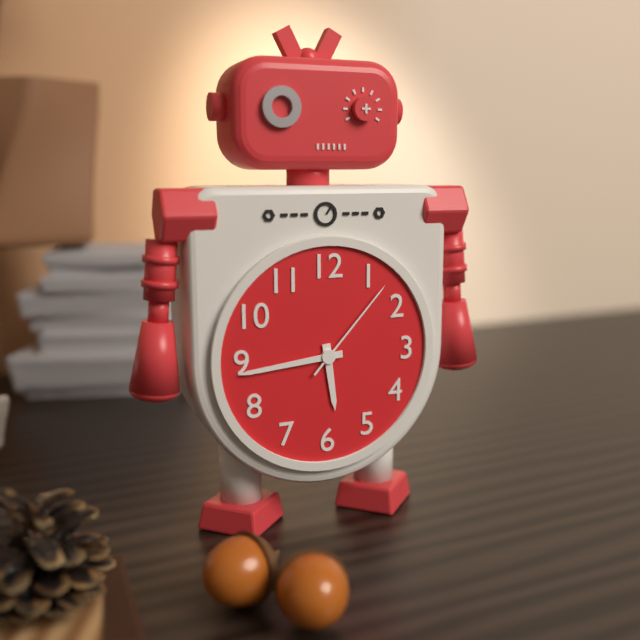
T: **5:44:07**
